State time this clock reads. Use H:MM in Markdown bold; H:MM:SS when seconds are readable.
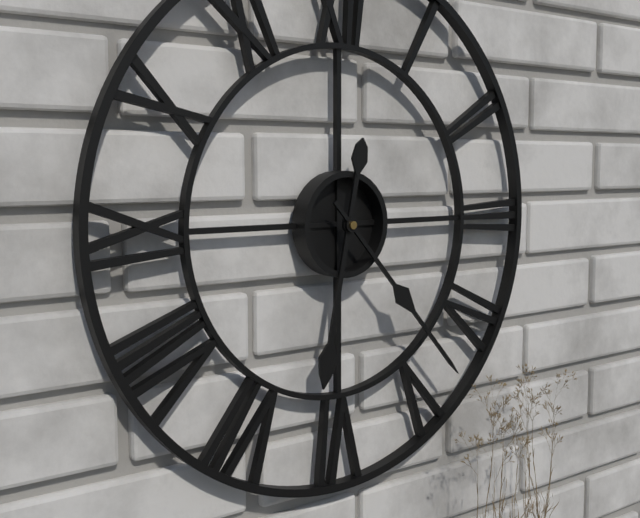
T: **6:23**
